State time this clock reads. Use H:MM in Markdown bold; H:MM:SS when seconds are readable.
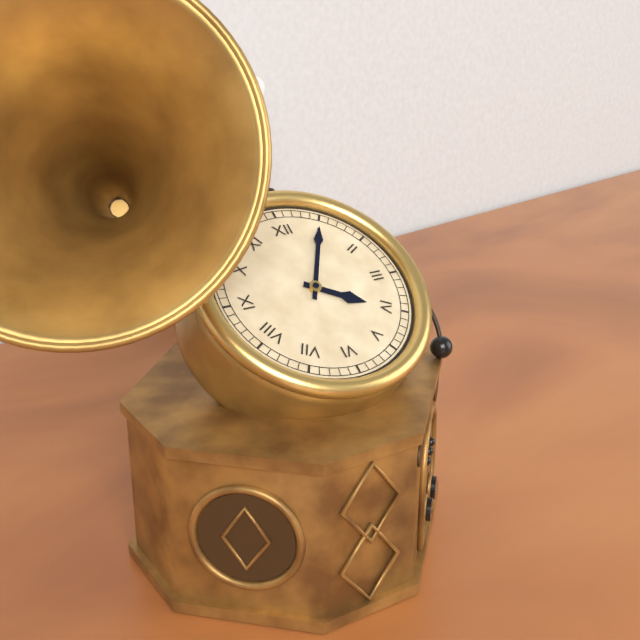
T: **4:05**
